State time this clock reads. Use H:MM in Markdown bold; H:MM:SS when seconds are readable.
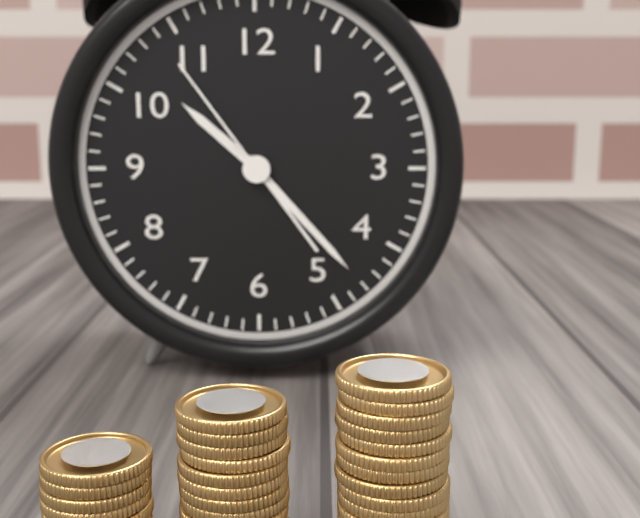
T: **10:23:54**
